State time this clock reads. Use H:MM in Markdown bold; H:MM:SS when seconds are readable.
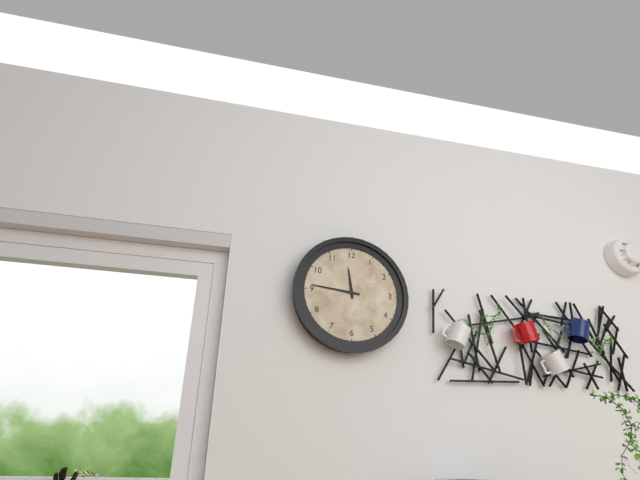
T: **11:46**
